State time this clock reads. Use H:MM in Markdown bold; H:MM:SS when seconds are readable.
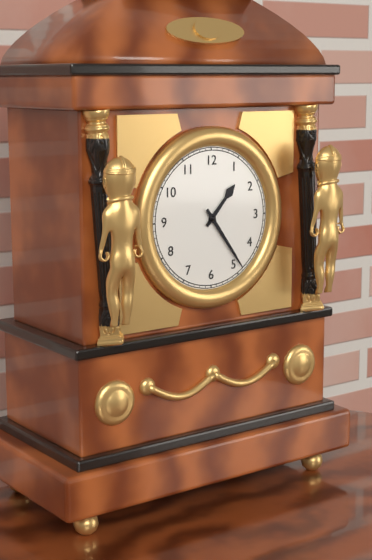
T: **1:24**
